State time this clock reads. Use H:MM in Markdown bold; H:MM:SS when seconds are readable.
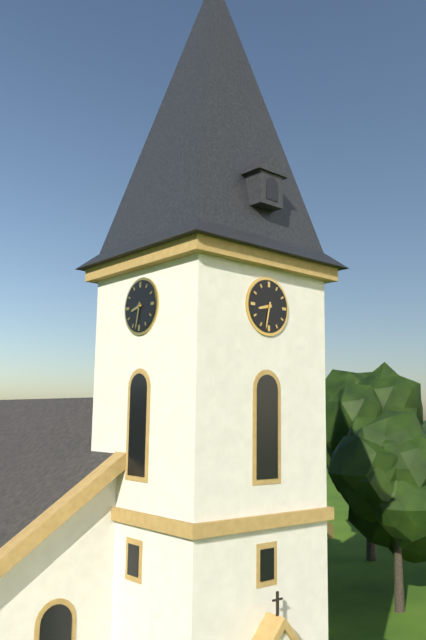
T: **8:32**
